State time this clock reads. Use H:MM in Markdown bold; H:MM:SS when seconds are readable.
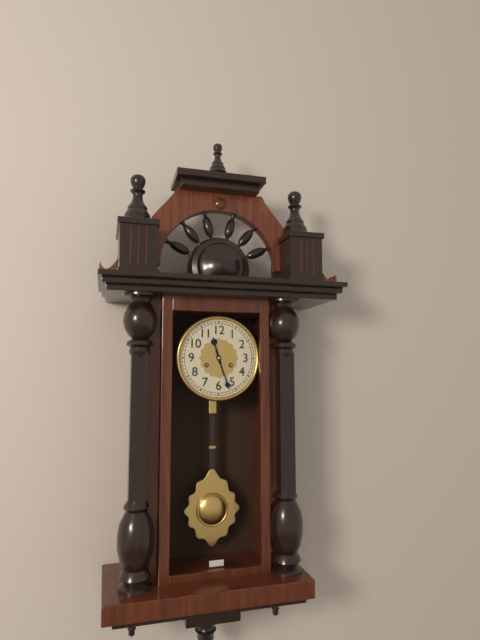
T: **11:27**
